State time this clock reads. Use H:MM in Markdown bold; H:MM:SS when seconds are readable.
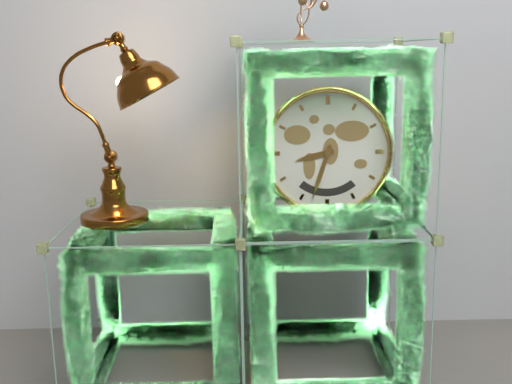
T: **8:33**
